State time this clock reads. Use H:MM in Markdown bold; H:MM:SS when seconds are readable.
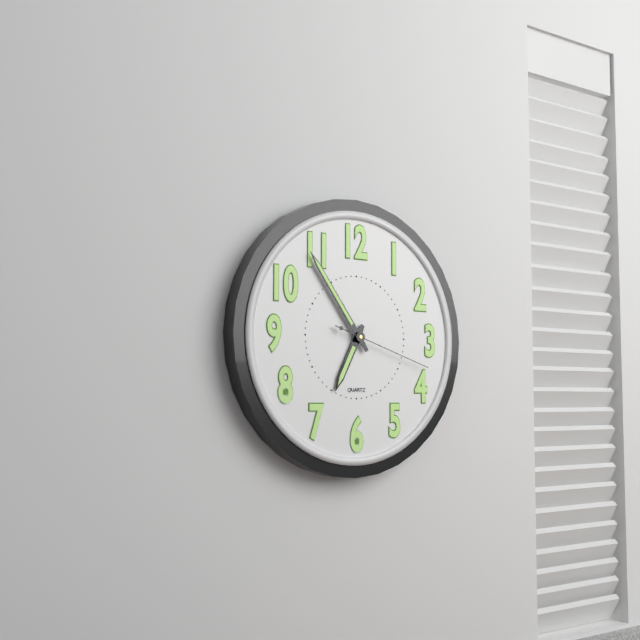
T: **6:54:18**
